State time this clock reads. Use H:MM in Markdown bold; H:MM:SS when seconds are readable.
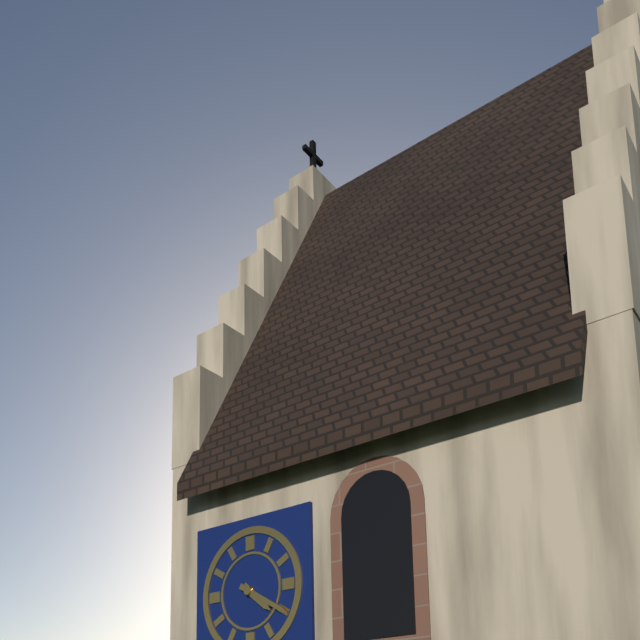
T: **4:20**
